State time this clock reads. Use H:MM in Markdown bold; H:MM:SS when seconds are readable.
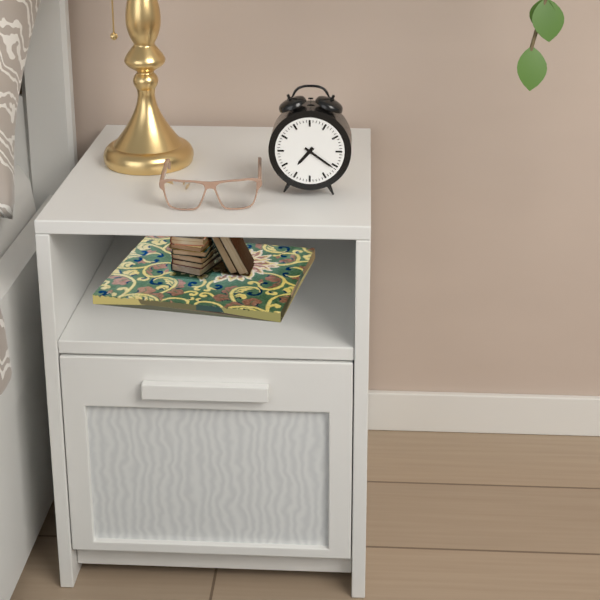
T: **7:21**
